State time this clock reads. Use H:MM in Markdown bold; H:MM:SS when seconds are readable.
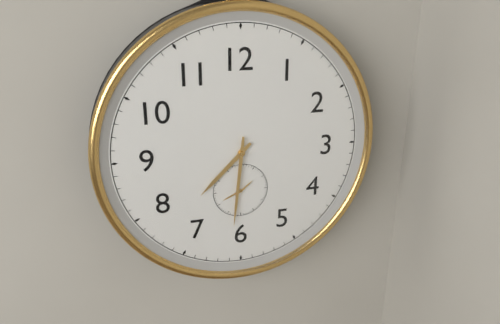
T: **7:31**
